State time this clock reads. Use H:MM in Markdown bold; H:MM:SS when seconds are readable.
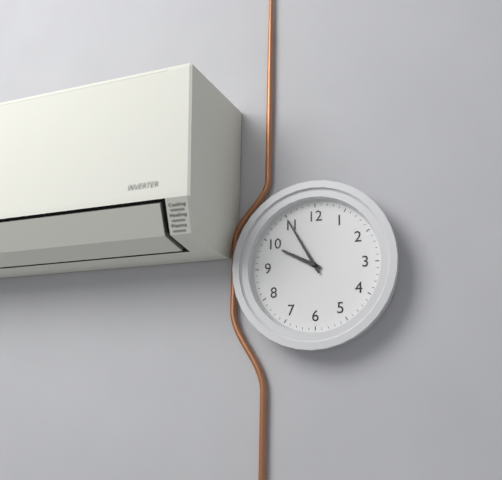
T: **9:55**
